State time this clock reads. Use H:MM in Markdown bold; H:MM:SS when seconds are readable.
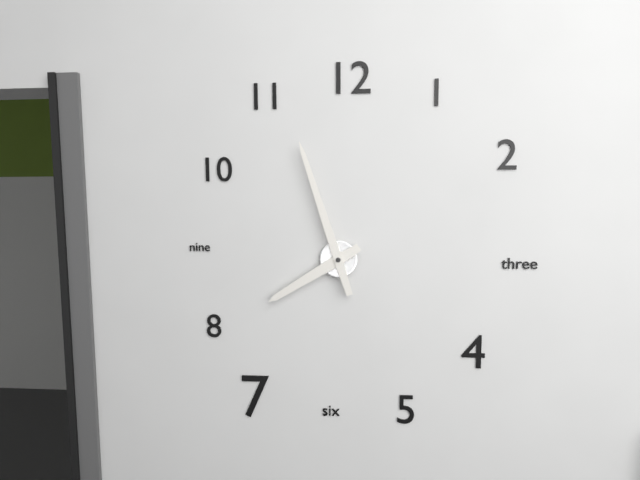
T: **7:57**
